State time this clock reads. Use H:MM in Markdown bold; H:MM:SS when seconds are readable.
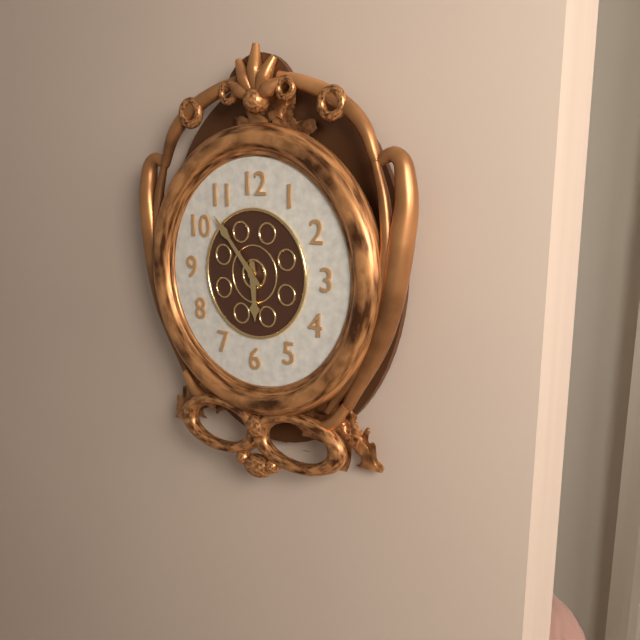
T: **5:53**
